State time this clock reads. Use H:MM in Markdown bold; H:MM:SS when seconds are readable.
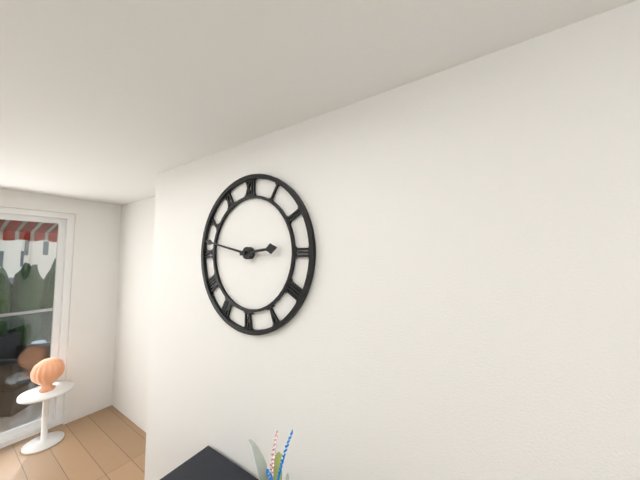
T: **2:47**
